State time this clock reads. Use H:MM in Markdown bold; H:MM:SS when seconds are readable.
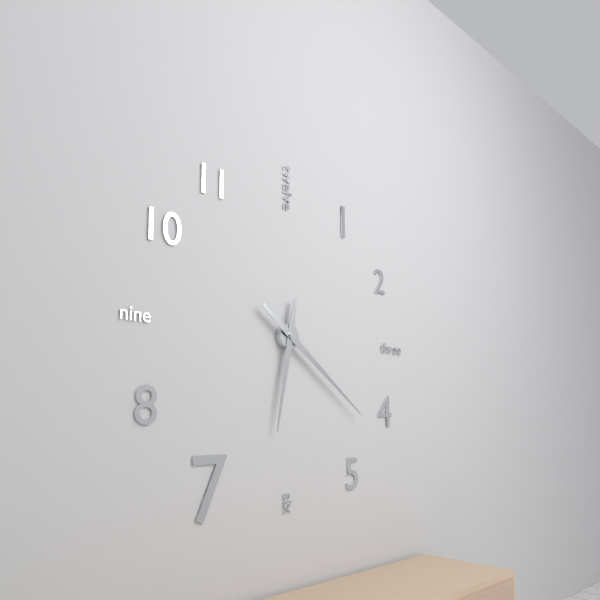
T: **6:21**
